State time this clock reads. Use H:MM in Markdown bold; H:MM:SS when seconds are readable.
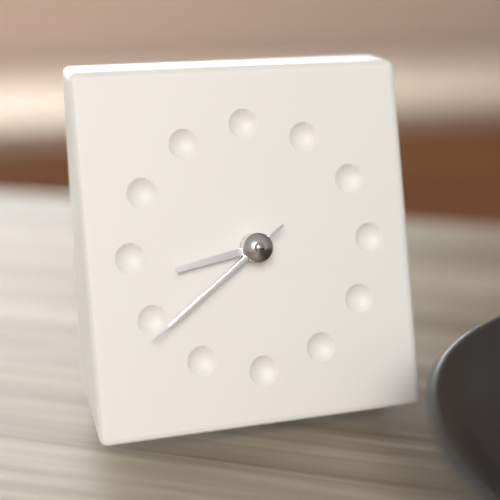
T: **8:39:39**
